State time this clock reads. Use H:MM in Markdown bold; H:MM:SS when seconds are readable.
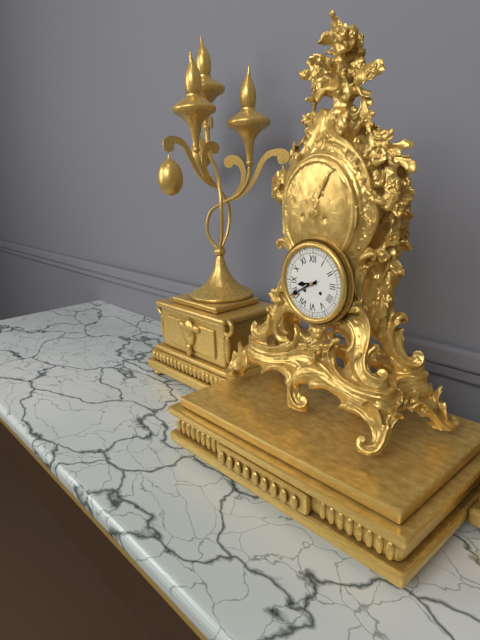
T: **8:40**
